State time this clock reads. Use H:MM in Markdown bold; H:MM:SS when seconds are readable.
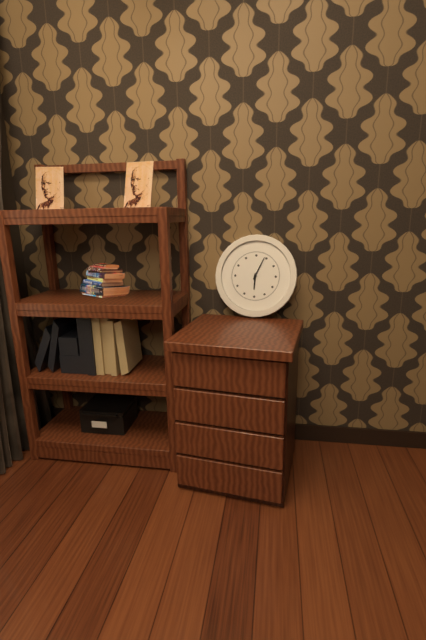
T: **6:04**
